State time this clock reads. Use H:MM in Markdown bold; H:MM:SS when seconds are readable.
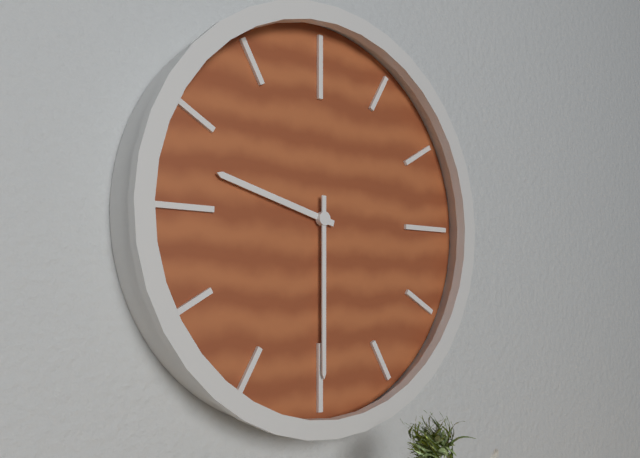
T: **9:30**
